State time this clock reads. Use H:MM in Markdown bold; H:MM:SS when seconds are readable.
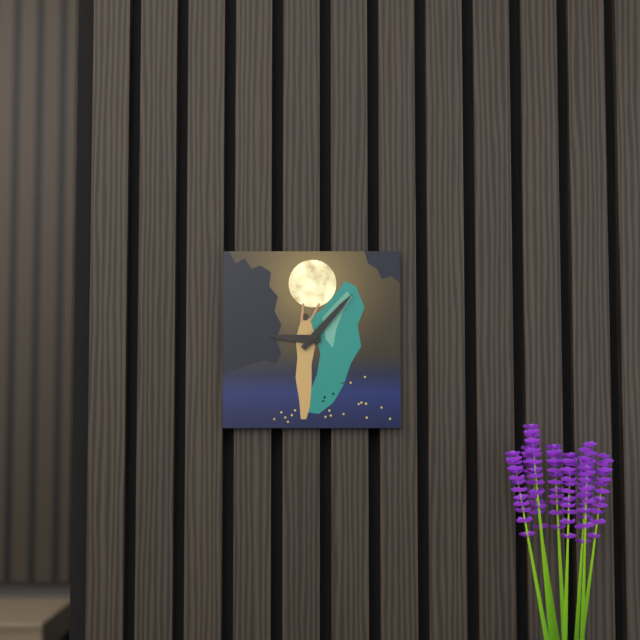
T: **9:07**
